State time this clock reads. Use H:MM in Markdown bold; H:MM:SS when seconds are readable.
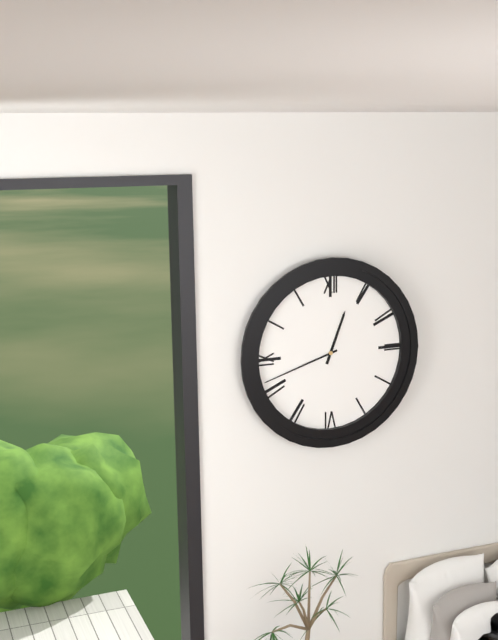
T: **12:42**
